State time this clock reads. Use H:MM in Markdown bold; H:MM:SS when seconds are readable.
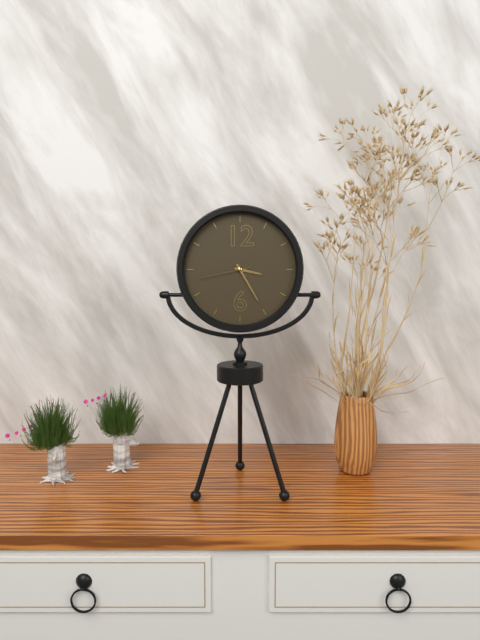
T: **3:25:43**
